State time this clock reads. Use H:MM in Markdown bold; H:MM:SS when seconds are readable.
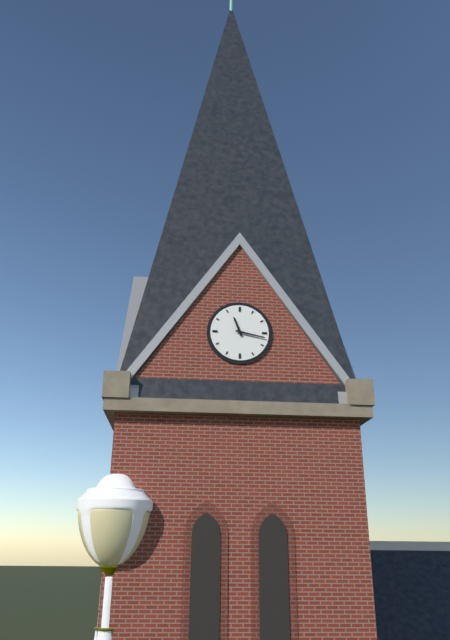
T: **11:17**
